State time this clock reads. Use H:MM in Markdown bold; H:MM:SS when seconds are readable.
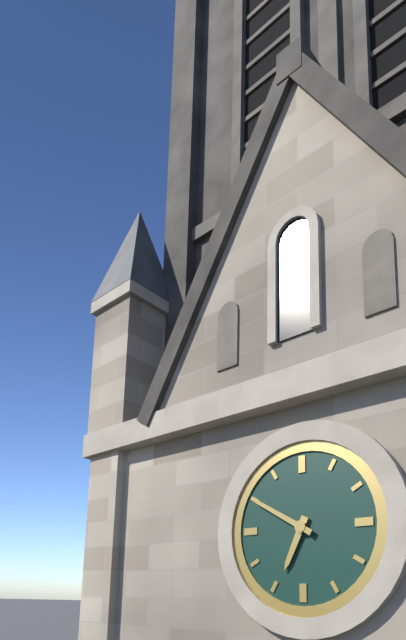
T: **6:50**
